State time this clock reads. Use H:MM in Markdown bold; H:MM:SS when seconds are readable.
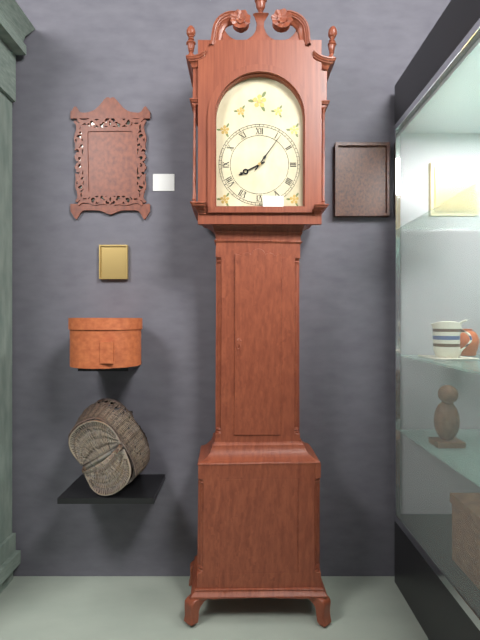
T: **8:06**
